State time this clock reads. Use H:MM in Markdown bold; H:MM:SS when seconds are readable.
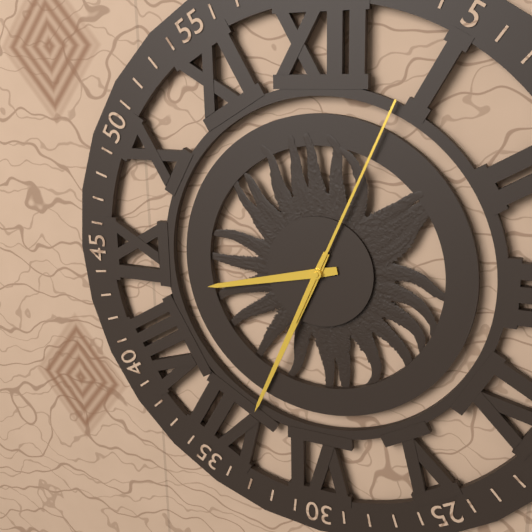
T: **8:34:04**
